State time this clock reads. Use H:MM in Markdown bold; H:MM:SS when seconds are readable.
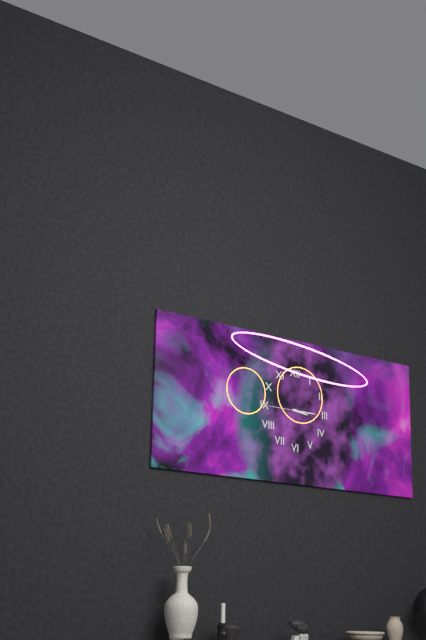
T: **3:15**
